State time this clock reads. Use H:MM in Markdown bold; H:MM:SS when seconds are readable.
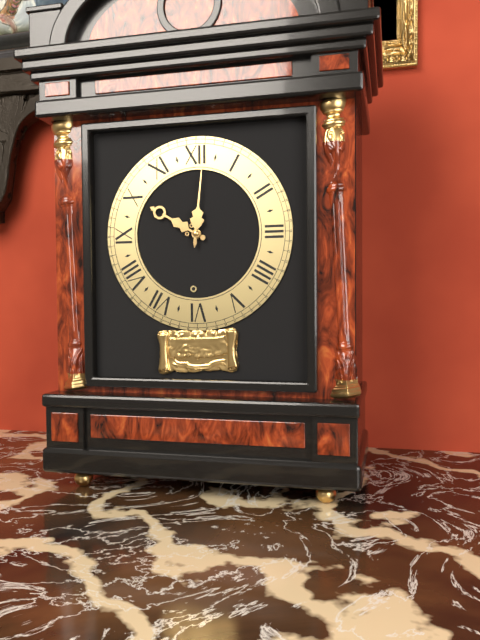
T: **10:01**
